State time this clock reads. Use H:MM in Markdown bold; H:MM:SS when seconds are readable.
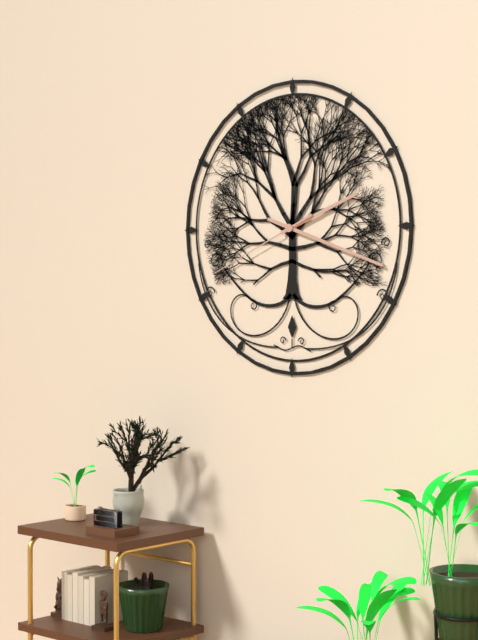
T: **2:18:41**
